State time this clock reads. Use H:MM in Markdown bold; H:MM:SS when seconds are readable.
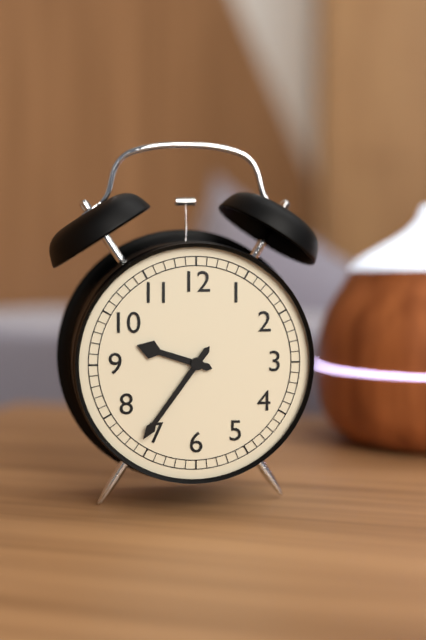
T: **9:36**
